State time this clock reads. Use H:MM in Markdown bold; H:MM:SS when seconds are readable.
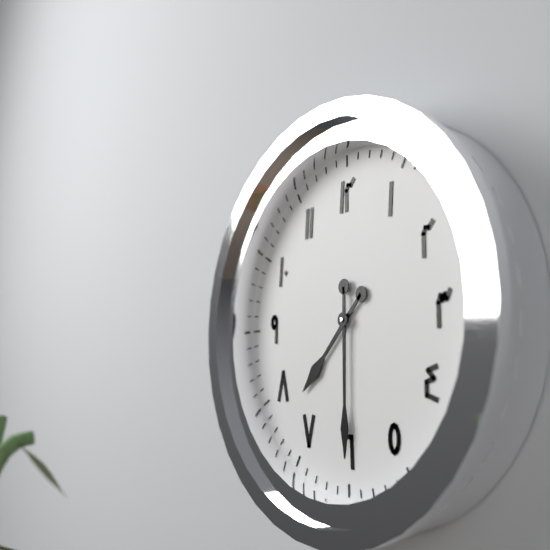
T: **7:30**
